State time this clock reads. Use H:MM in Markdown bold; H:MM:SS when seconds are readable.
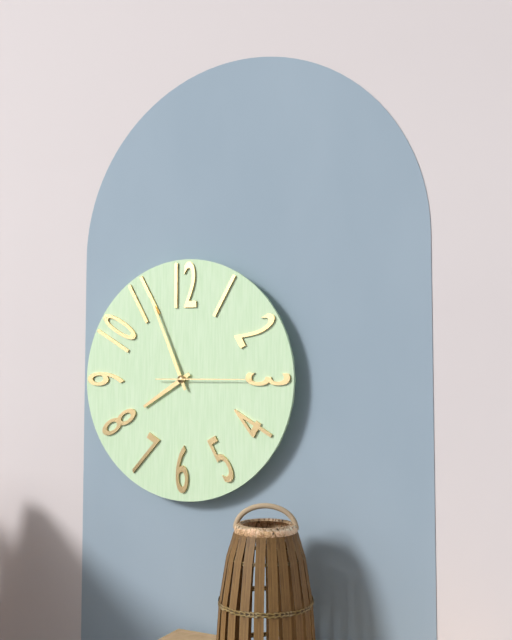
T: **7:56:15**
